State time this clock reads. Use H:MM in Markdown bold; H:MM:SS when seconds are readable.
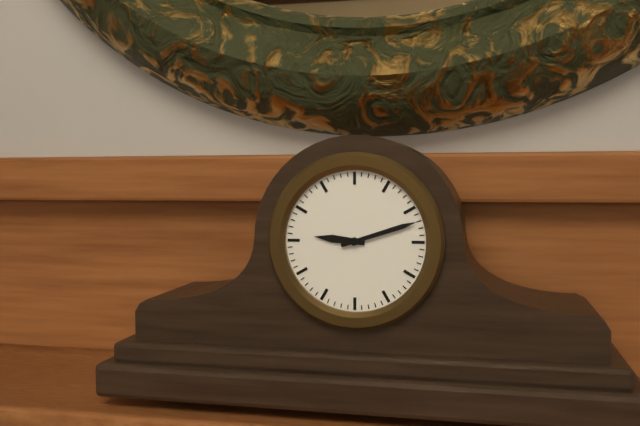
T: **9:12**
